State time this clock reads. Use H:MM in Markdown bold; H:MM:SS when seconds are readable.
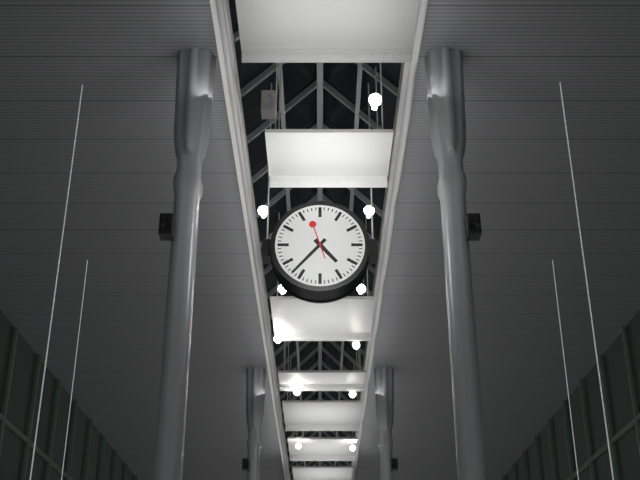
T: **4:37**
